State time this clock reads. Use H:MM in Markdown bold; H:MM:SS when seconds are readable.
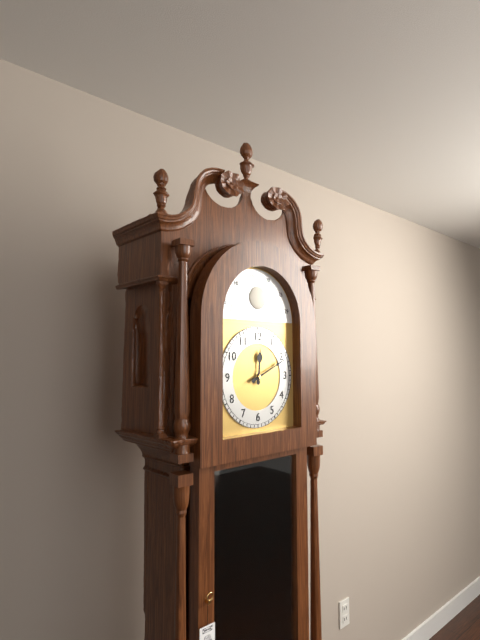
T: **12:11**
